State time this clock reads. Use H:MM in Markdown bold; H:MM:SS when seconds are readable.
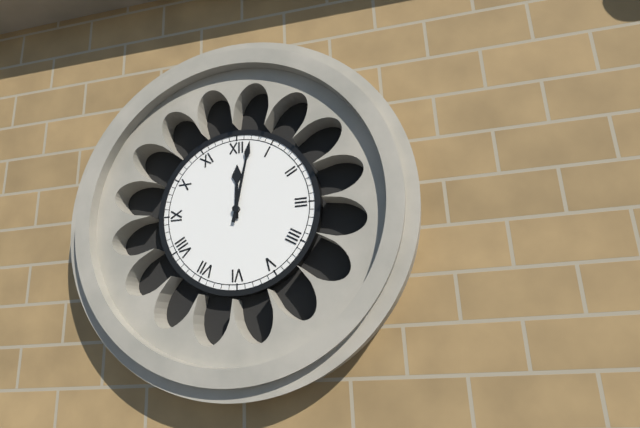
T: **12:02**
